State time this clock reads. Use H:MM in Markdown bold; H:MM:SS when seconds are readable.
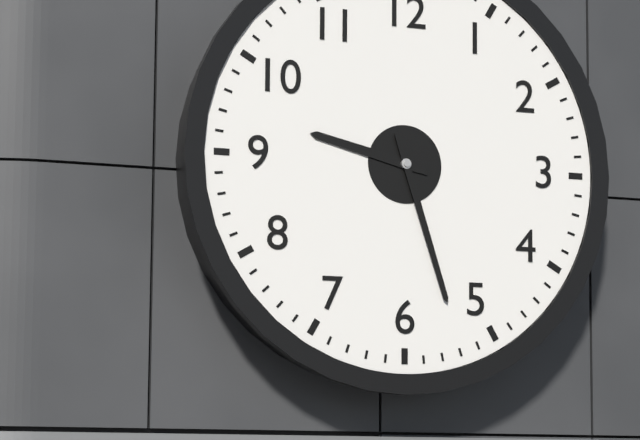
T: **9:27**
